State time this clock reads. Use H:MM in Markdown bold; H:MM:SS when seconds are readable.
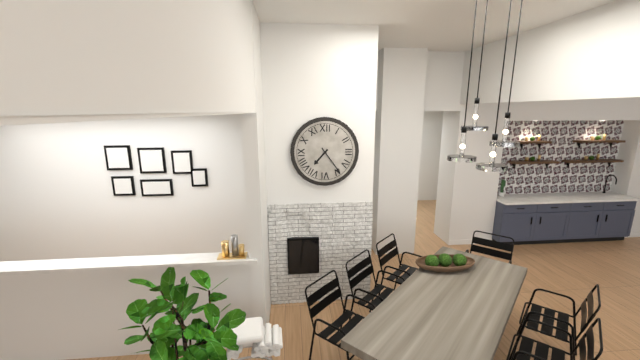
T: **7:24**
